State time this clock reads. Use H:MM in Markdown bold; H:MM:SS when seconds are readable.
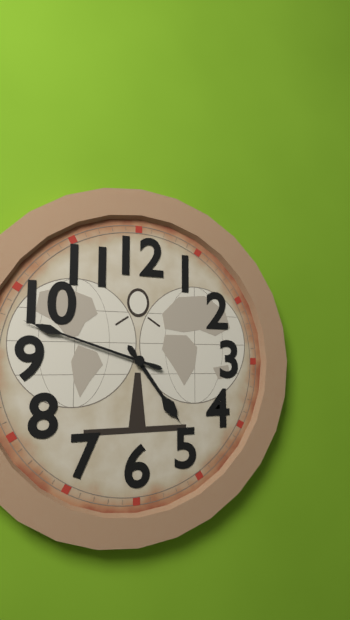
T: **4:48**
